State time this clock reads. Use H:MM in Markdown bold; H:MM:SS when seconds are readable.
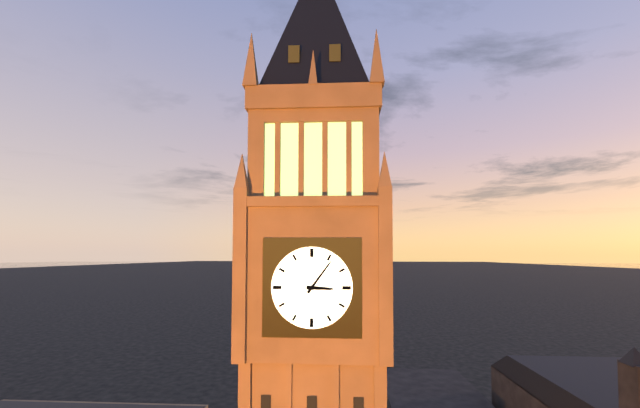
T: **3:06**
